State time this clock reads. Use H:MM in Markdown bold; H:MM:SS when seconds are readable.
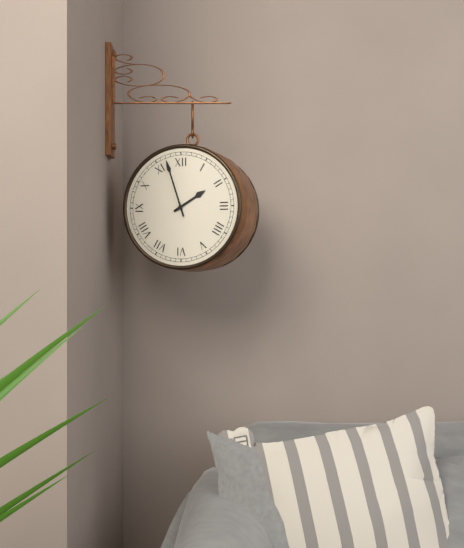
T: **1:57**
